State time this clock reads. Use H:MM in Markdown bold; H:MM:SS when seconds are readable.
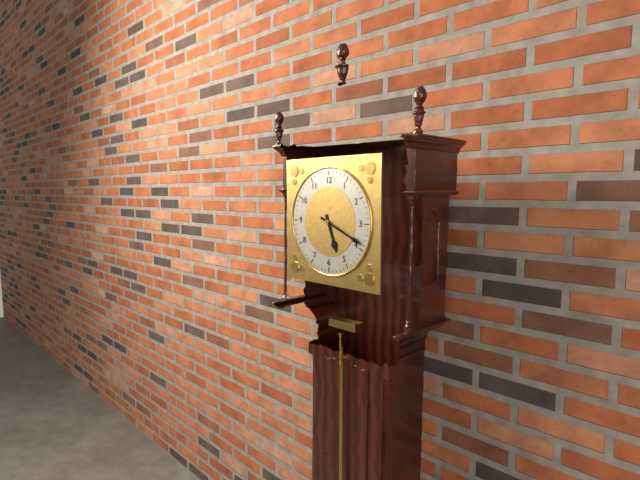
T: **5:19**
